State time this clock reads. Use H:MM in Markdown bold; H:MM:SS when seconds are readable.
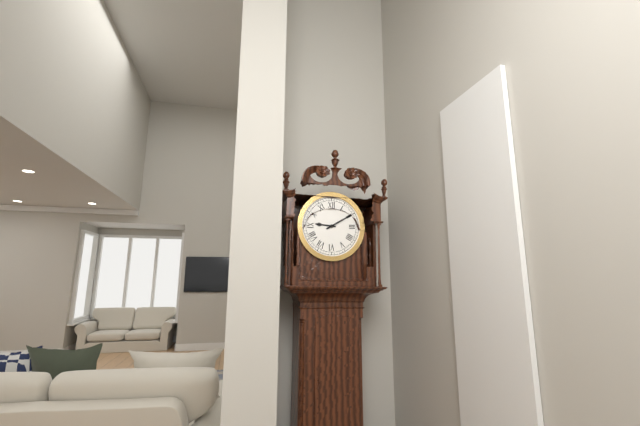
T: **9:10**
